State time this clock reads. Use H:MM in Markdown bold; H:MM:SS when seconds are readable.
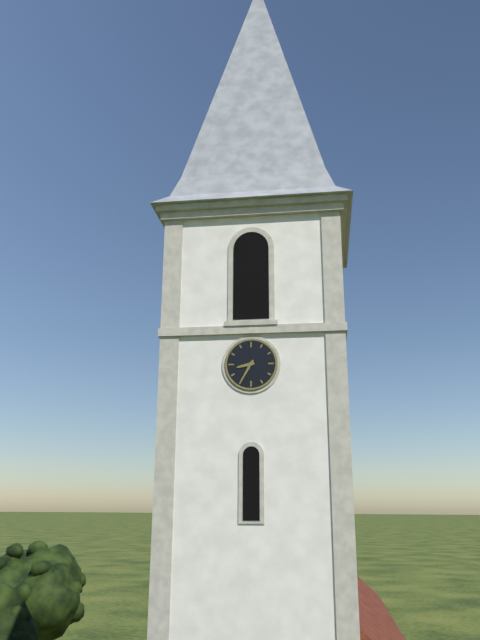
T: **8:35**
